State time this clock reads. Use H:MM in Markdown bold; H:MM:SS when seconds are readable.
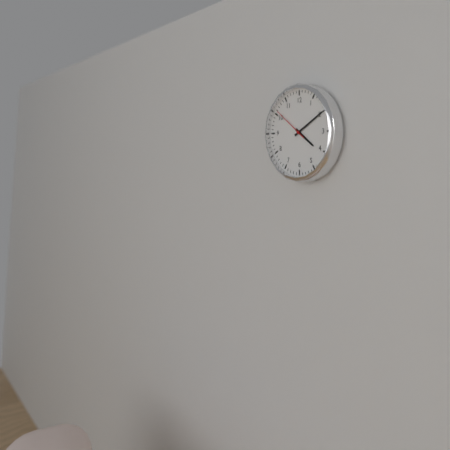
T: **4:10**
